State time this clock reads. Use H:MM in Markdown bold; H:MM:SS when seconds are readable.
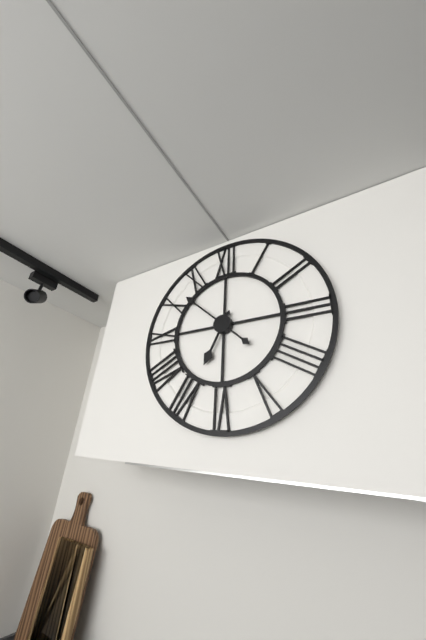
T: **6:52**
